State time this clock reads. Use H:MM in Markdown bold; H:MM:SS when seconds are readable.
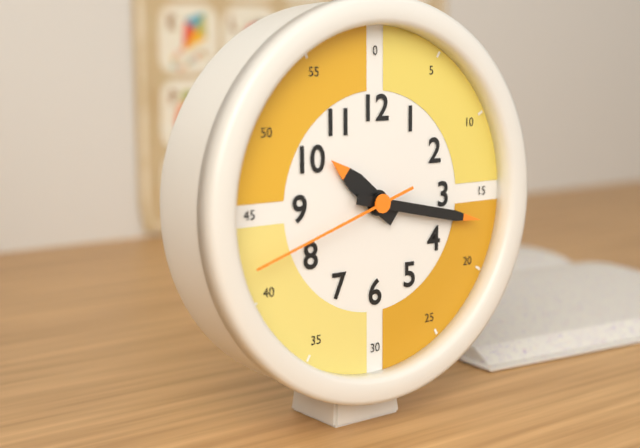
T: **10:17:42**
